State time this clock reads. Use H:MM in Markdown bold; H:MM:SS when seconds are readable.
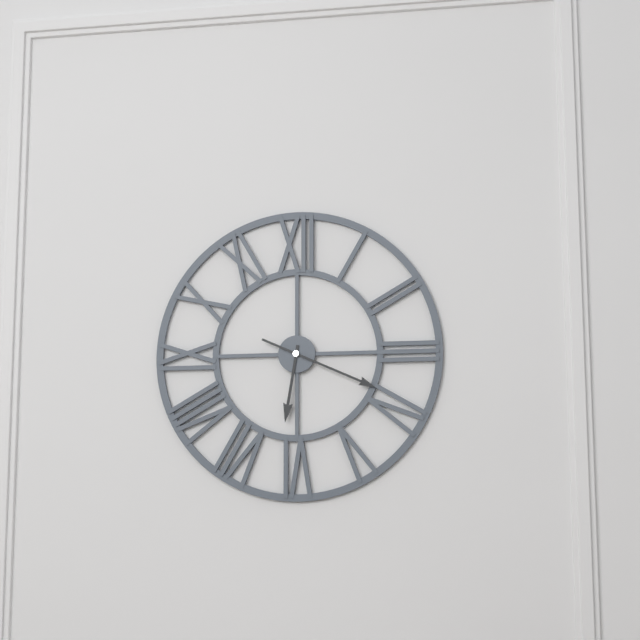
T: **6:19**
